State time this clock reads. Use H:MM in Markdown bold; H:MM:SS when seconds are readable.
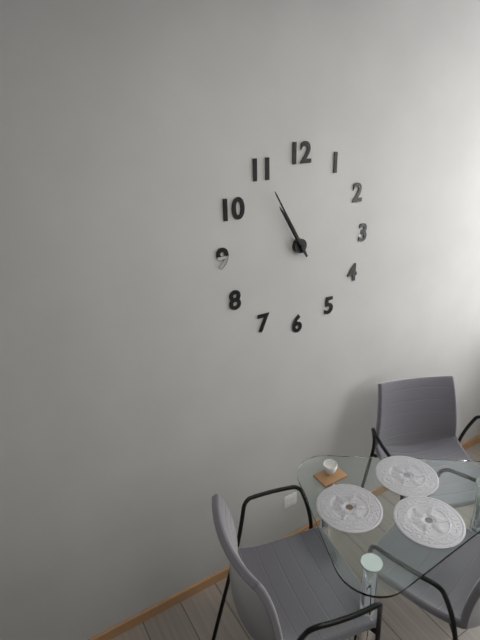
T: **10:55**
